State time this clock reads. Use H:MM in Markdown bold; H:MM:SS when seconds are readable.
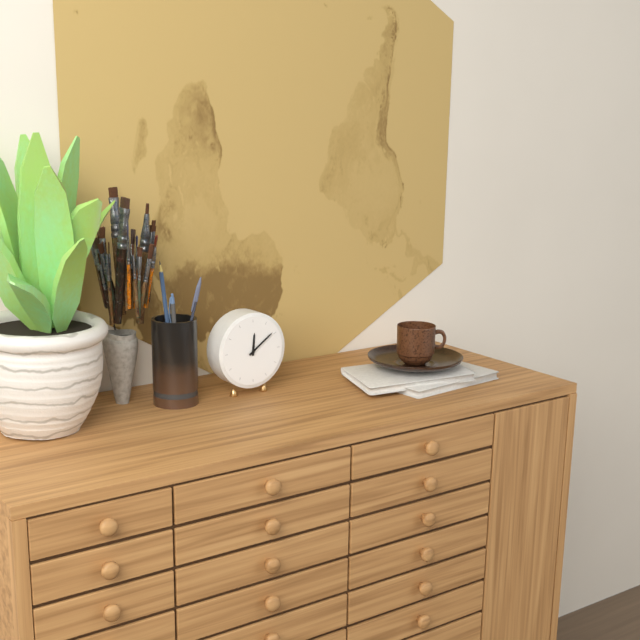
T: **12:09**
